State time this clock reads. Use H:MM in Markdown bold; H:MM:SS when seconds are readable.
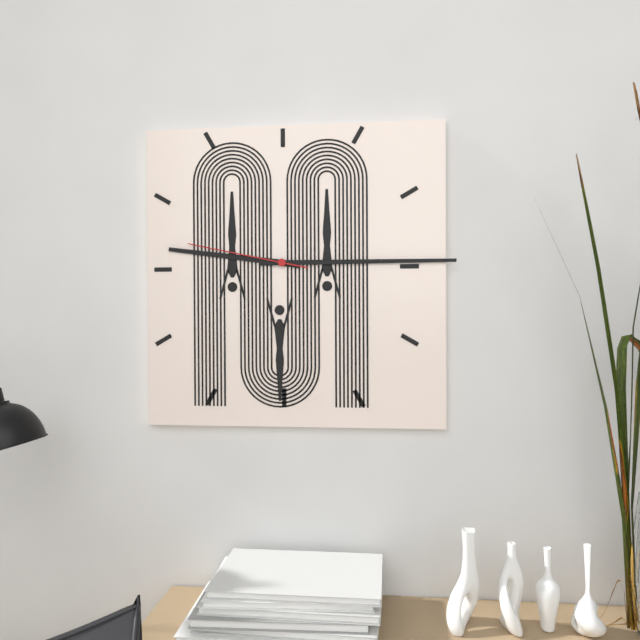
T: **9:15:47**
